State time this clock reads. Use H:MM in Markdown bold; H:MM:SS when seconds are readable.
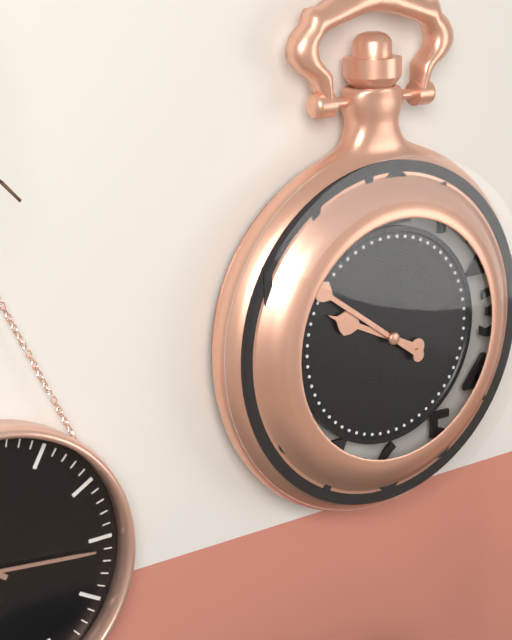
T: **9:51**
